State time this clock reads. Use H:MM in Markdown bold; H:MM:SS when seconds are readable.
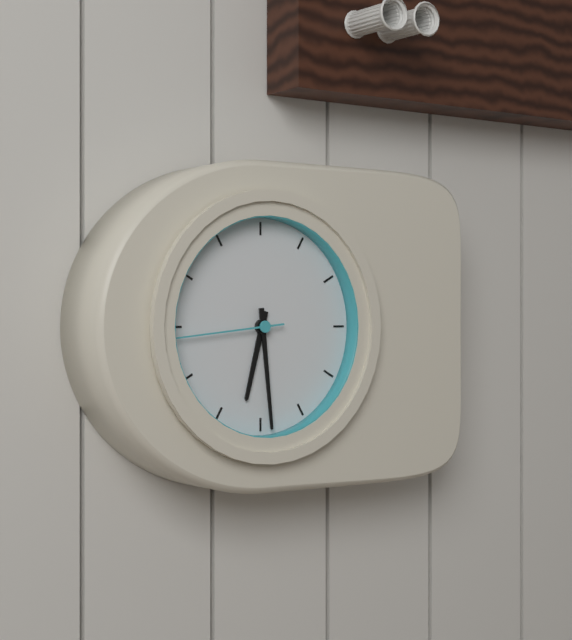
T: **6:29:44**
